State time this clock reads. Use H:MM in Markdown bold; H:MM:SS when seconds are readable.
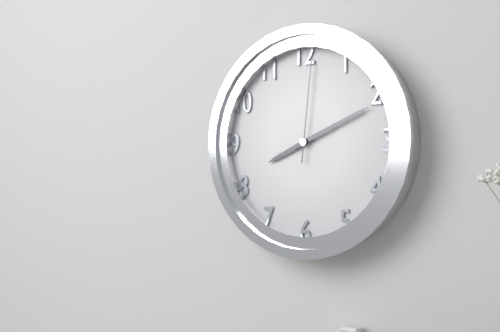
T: **8:11:01**
